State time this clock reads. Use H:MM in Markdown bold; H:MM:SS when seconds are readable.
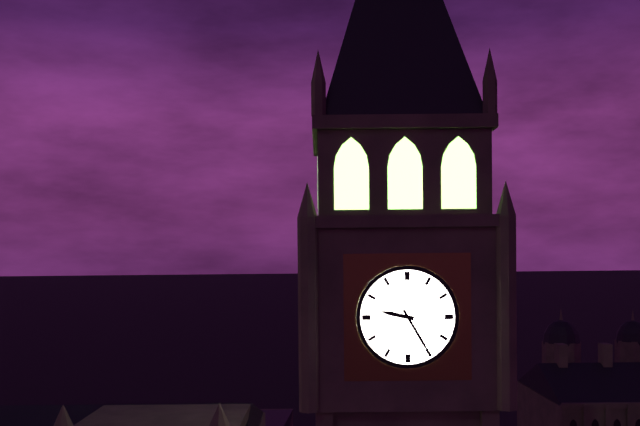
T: **9:25**
